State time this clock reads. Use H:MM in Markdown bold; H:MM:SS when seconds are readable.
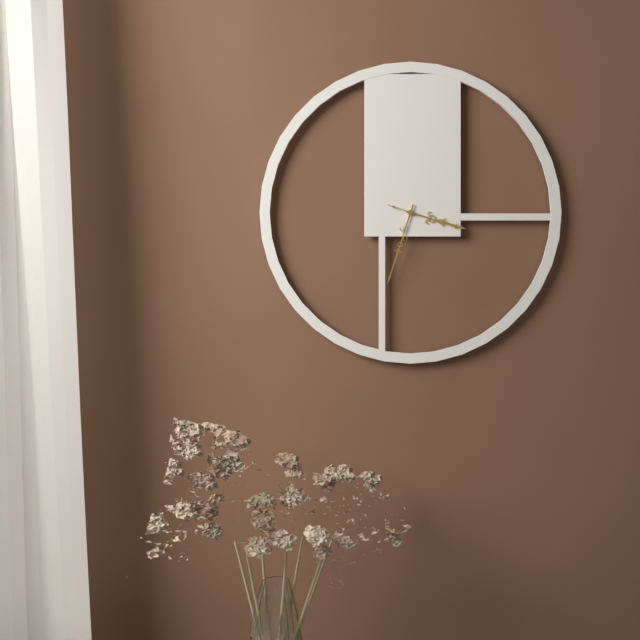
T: **3:33:18**
